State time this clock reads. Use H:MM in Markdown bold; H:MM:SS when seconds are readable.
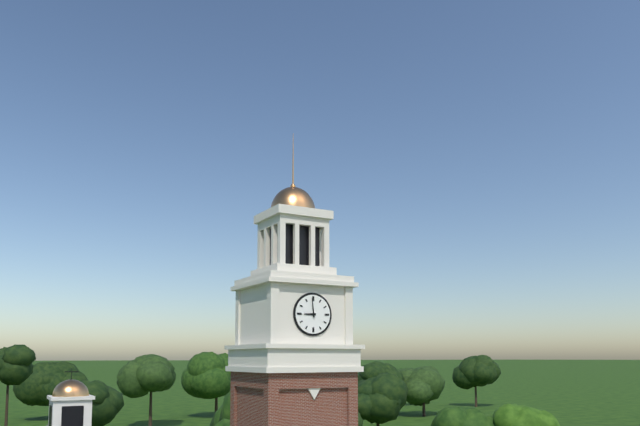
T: **8:59**
